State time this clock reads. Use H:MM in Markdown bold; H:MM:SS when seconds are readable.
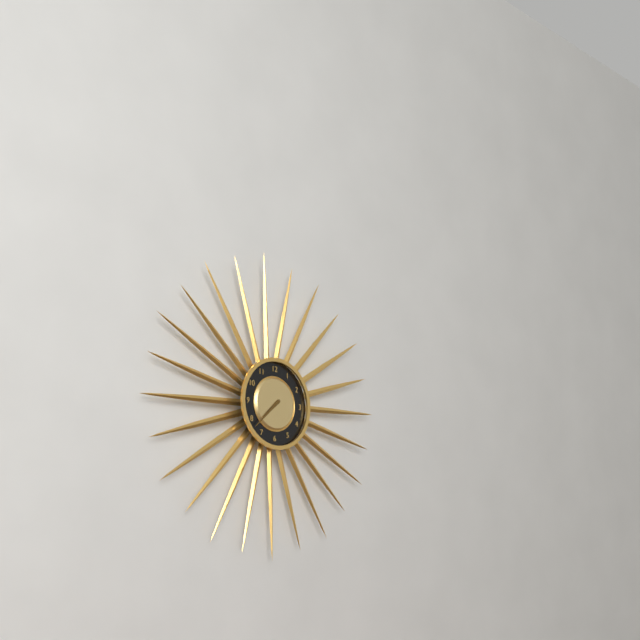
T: **7:38**
